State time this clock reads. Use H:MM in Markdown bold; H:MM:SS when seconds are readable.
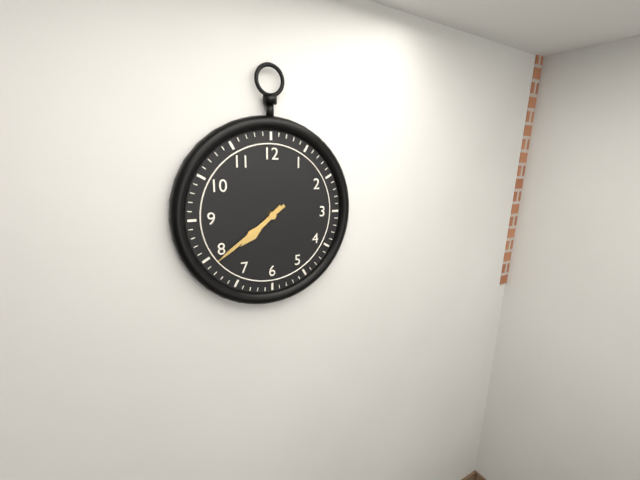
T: **7:39**
